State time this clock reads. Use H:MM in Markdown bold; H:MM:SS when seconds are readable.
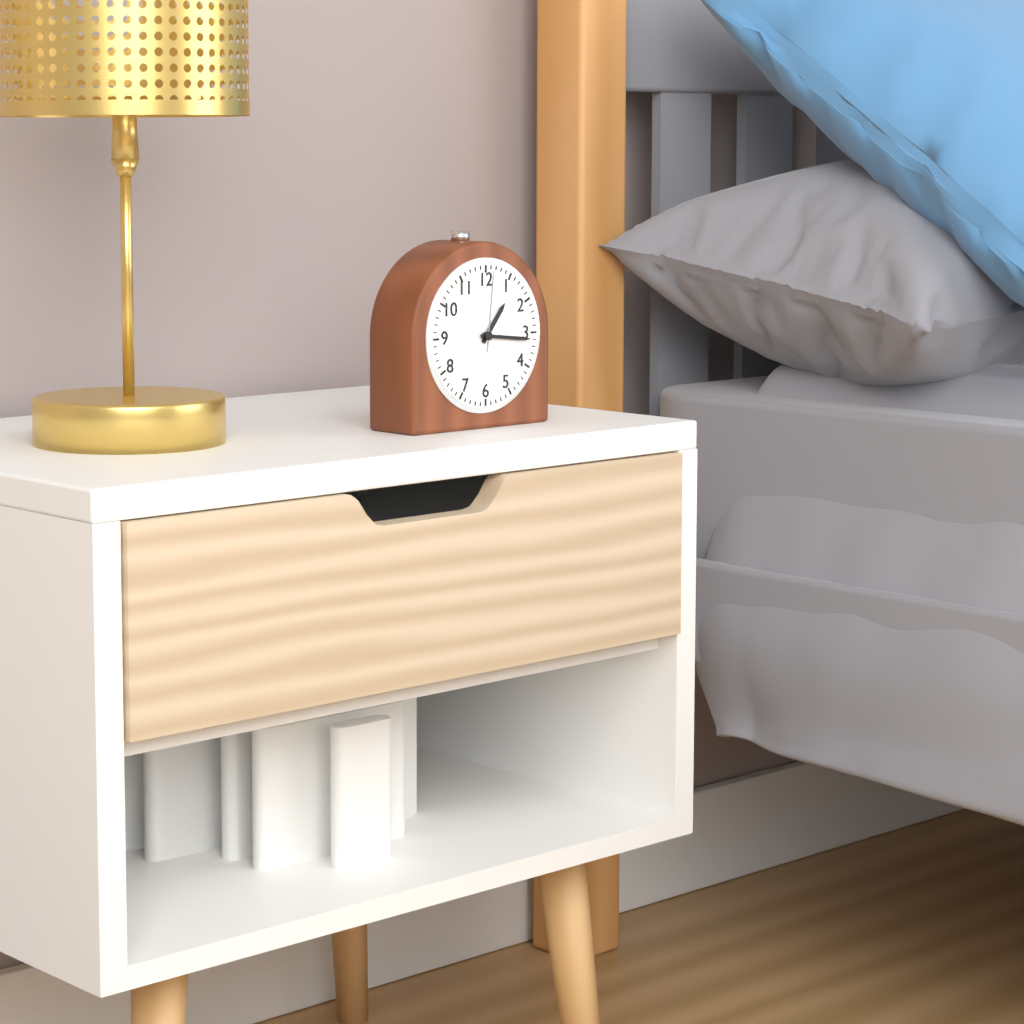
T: **1:16:01**
